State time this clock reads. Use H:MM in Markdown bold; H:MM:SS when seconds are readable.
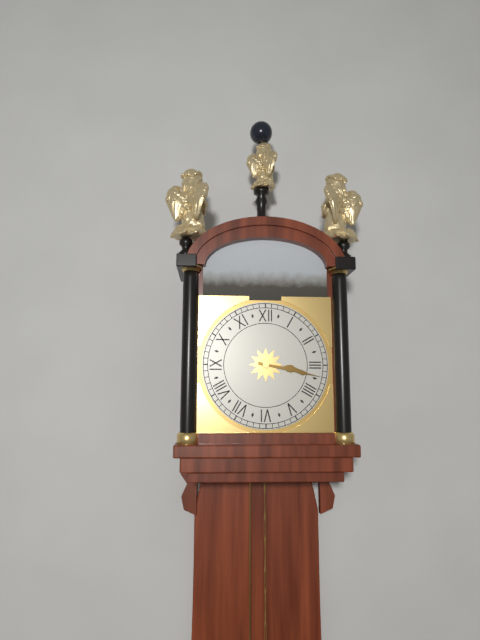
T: **3:17**
